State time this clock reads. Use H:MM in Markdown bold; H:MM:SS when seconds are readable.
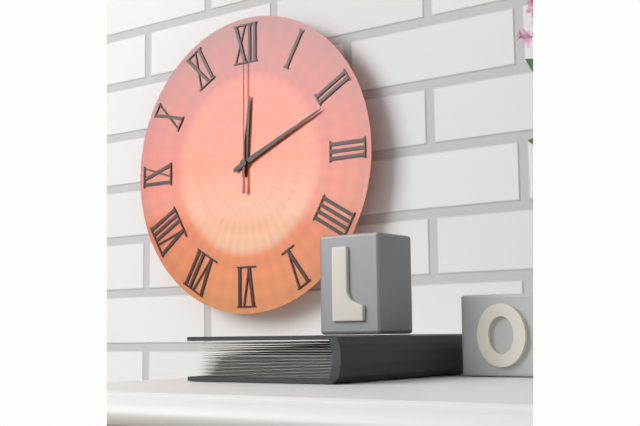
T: **12:11:00**
